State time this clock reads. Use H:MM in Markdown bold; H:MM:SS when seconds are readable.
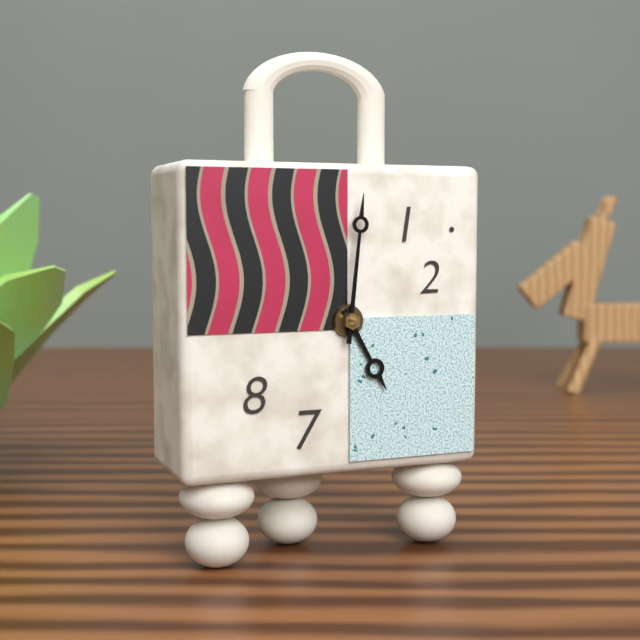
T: **5:01**
